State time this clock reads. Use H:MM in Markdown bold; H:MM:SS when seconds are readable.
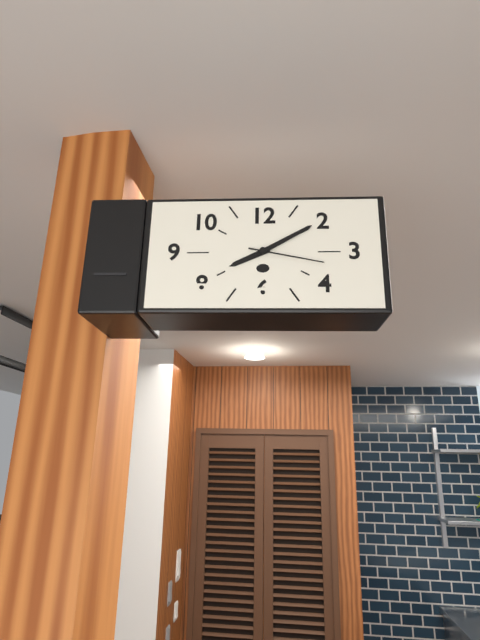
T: **8:10:17**
